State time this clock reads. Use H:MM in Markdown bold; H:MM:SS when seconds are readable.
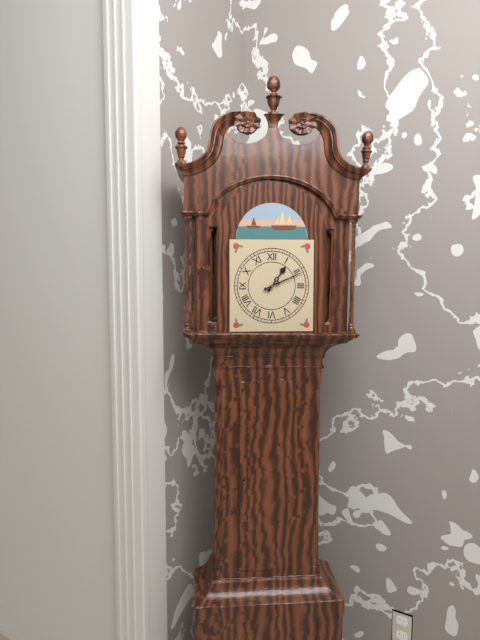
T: **1:11**
